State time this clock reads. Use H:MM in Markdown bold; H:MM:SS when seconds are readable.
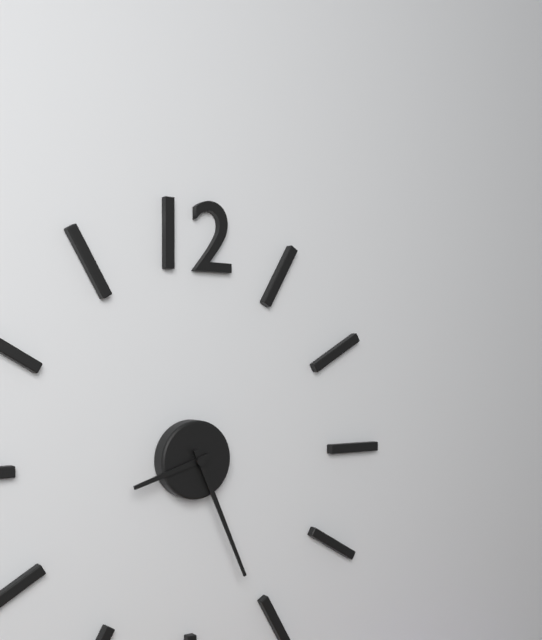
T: **8:26**
